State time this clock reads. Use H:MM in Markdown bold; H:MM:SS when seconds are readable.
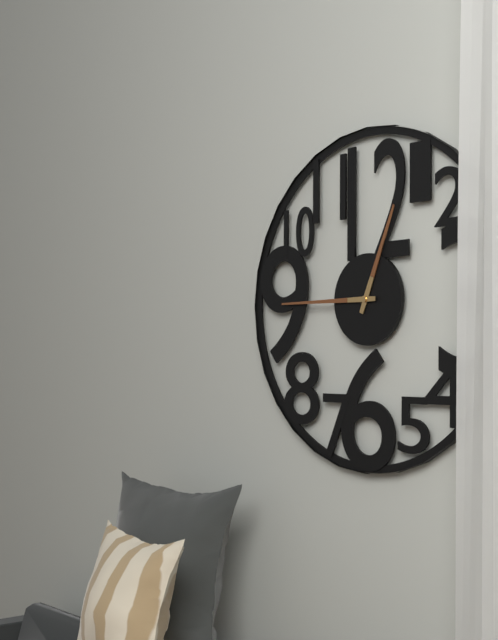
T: **12:45**
